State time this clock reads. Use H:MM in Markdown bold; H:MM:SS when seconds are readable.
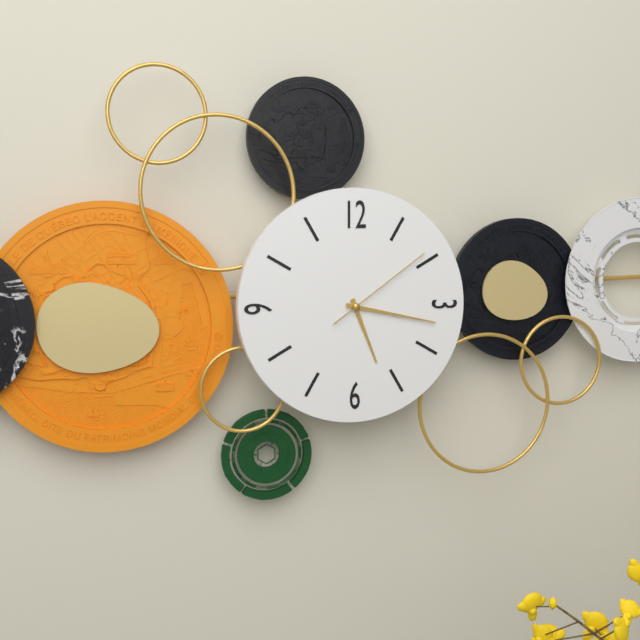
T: **5:17:09**
